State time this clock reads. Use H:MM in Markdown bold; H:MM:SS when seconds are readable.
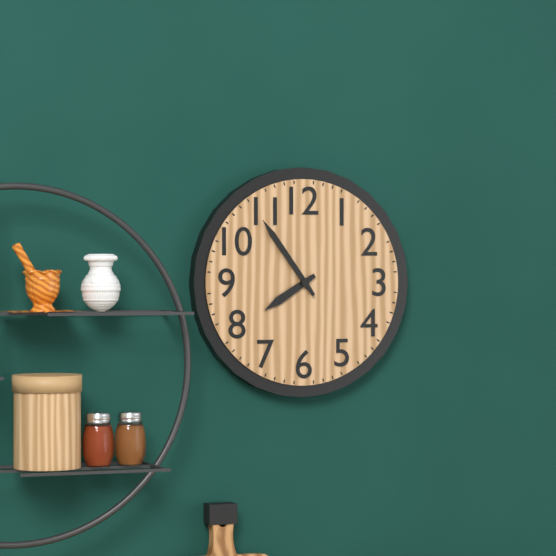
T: **7:54**
